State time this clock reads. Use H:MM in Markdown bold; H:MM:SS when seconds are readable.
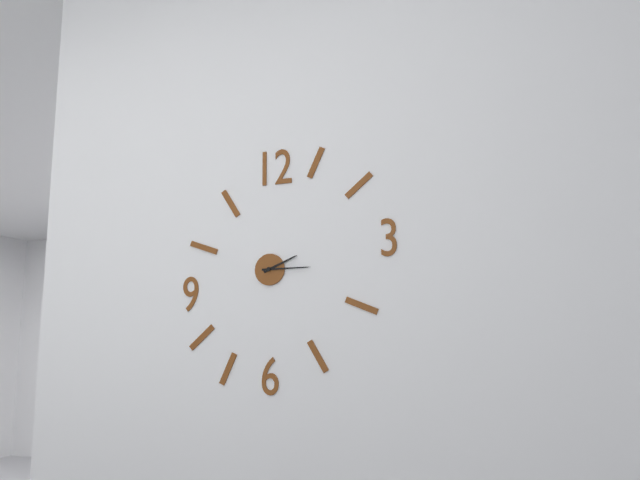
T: **2:15**
